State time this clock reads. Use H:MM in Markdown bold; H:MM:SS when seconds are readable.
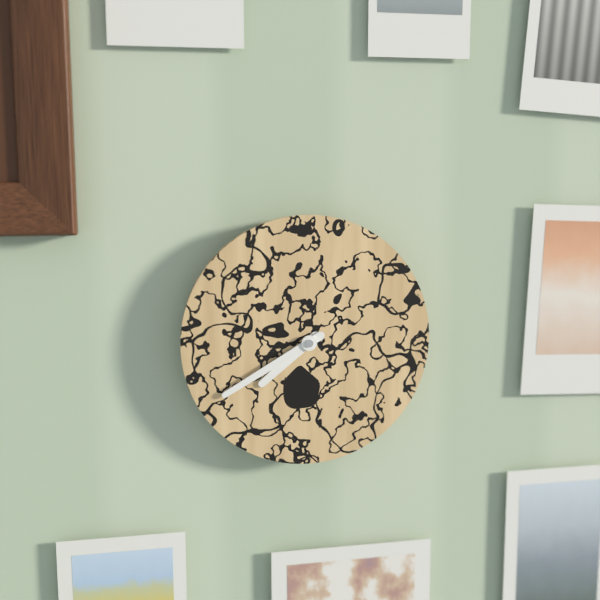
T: **7:40**
